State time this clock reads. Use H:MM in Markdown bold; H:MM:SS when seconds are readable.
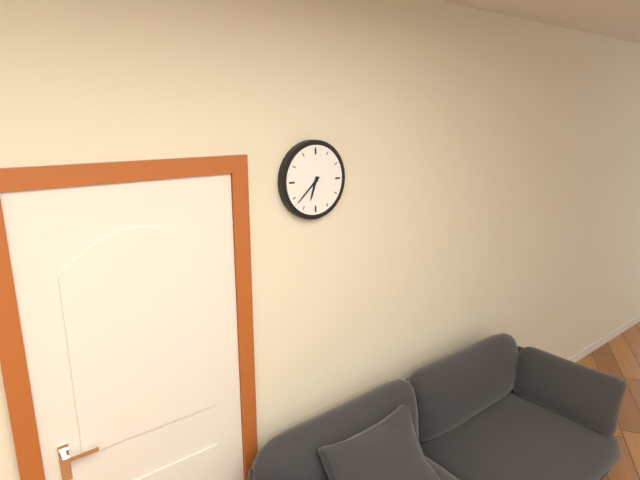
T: **6:38**
